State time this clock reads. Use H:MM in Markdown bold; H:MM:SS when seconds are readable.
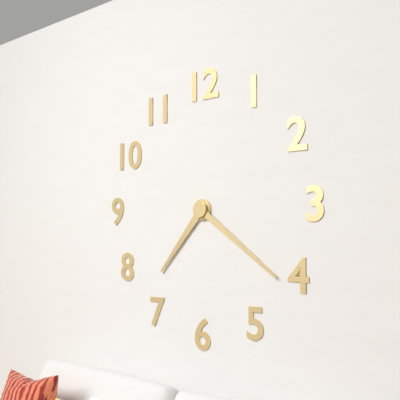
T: **7:21**
